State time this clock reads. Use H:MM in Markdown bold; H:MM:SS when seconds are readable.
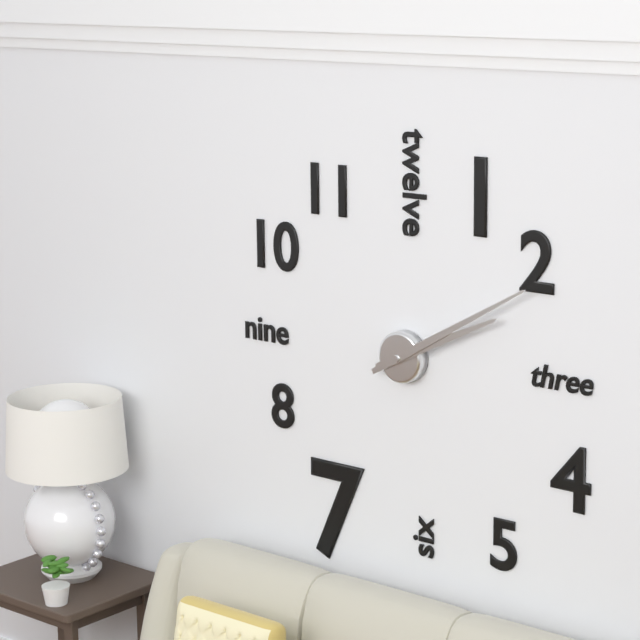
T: **2:10**
